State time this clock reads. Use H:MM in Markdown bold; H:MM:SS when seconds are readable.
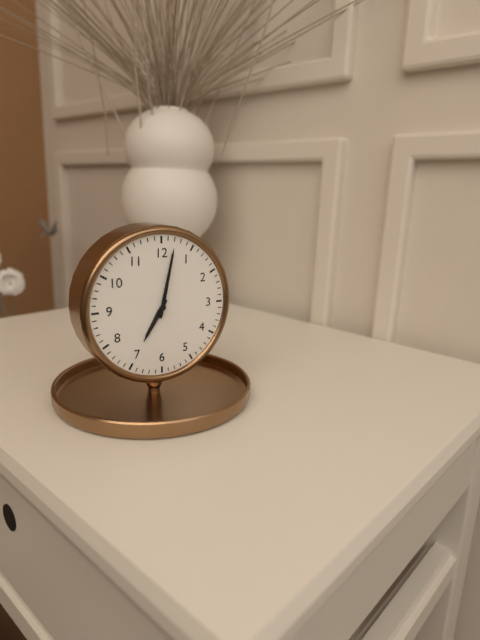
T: **7:02**
